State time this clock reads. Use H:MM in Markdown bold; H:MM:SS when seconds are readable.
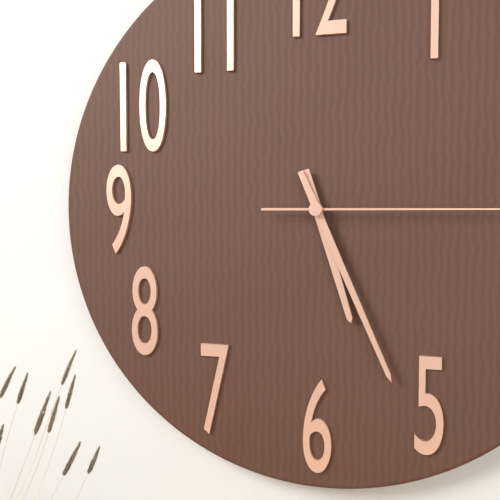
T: **5:26**
